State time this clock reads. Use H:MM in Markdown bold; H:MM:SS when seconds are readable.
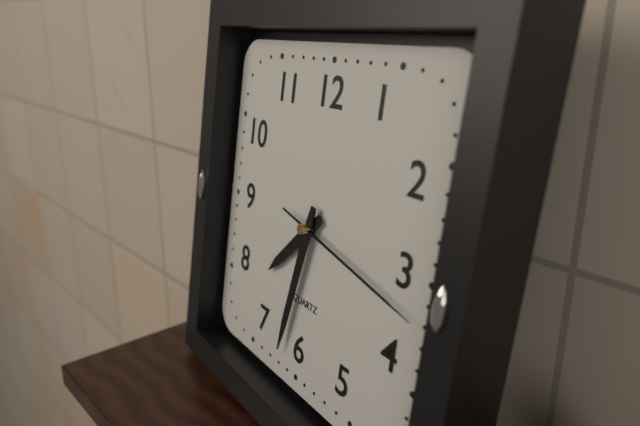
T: **7:32:17**
